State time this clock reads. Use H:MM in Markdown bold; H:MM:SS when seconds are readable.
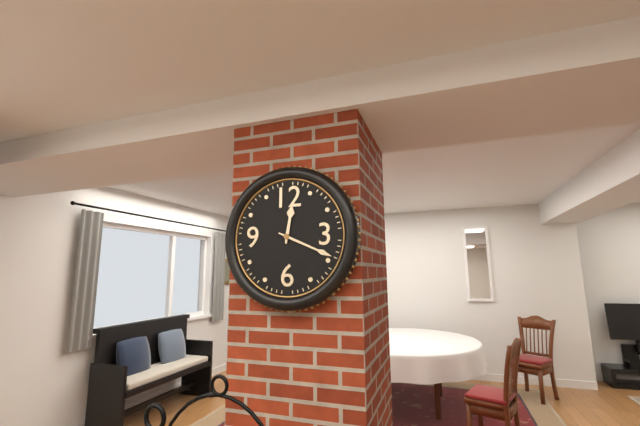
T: **12:19**
